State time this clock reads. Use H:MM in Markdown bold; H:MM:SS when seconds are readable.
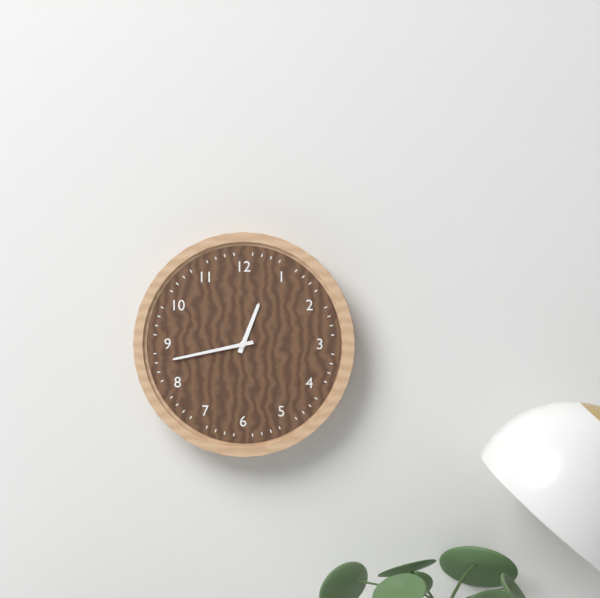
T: **12:43**
